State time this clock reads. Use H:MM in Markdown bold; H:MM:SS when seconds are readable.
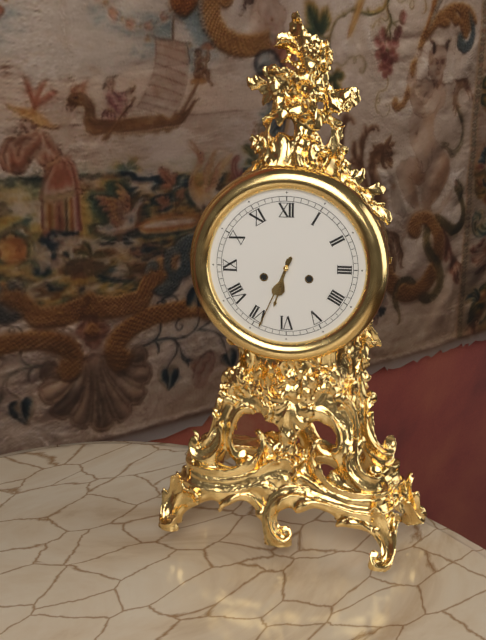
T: **6:34**
